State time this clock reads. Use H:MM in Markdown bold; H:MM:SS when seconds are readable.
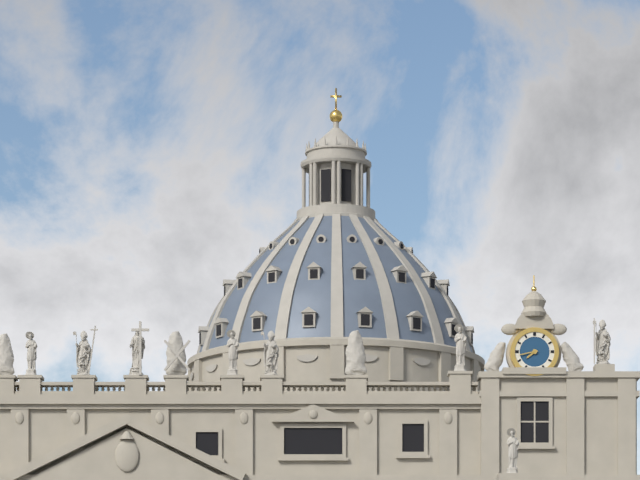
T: **7:43**
